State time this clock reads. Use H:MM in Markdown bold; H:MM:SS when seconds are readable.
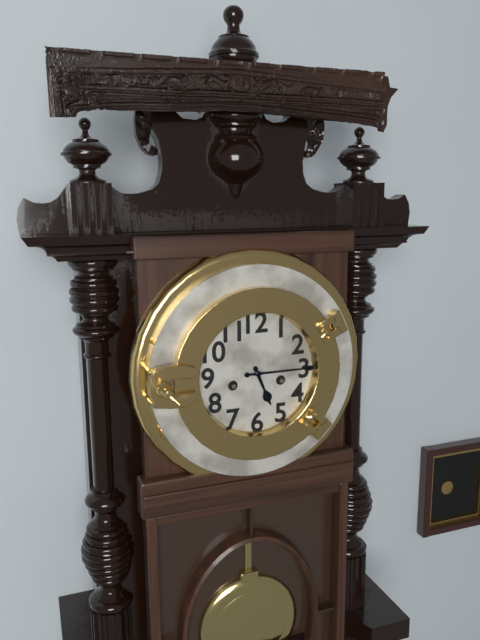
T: **5:15**
